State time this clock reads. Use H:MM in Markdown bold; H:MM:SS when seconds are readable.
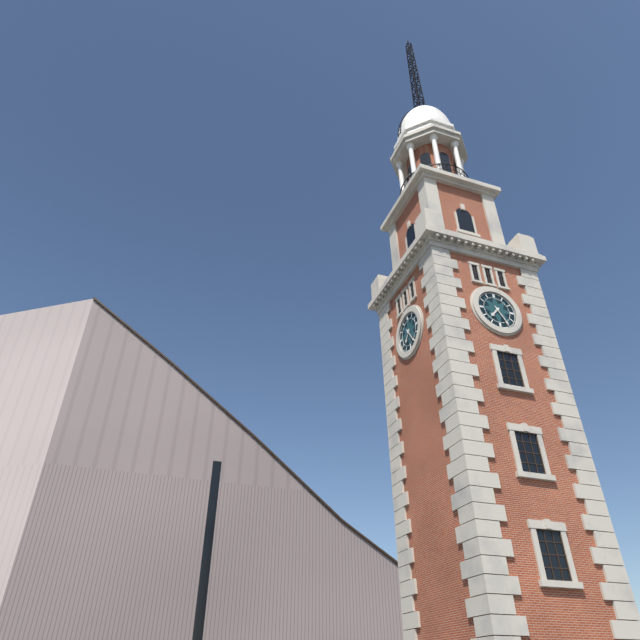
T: **7:25**
